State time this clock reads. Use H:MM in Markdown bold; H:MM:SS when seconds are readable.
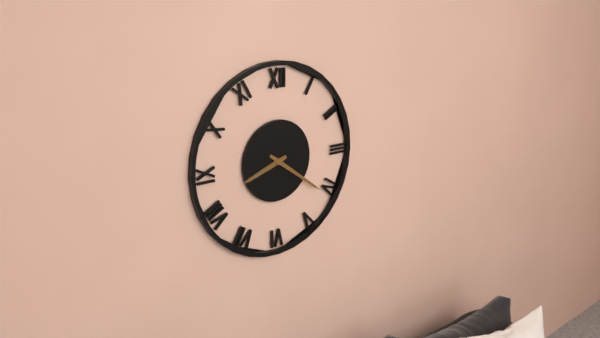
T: **8:21**
